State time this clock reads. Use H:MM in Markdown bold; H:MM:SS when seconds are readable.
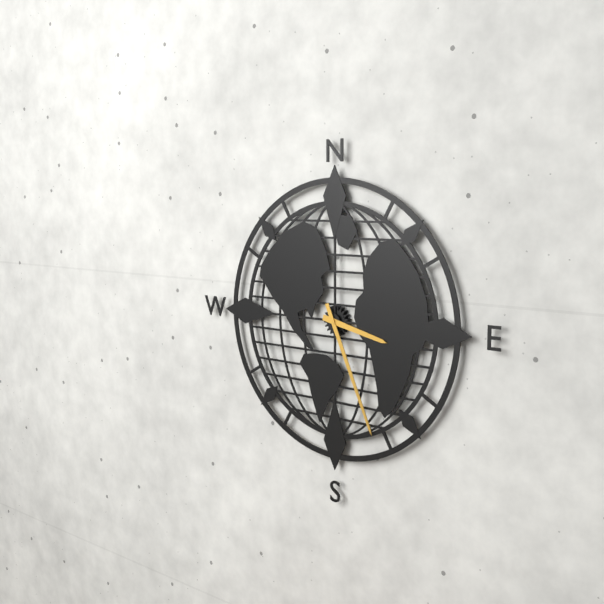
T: **3:26**
